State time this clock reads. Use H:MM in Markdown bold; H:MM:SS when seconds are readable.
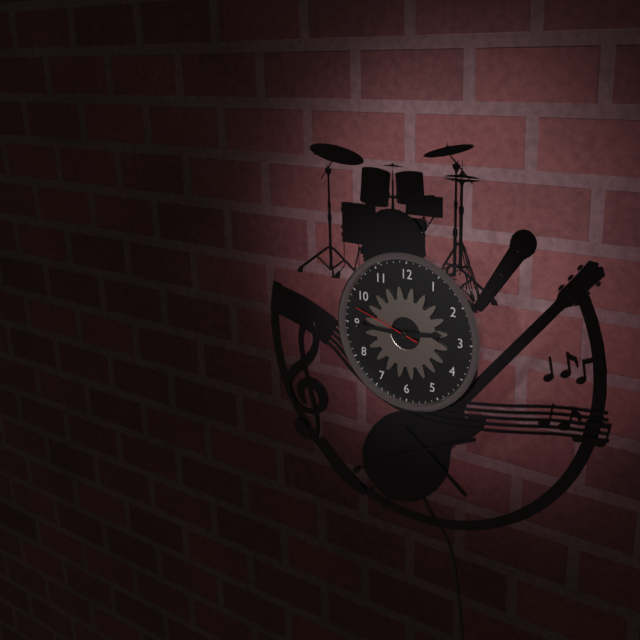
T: **2:45:48**
